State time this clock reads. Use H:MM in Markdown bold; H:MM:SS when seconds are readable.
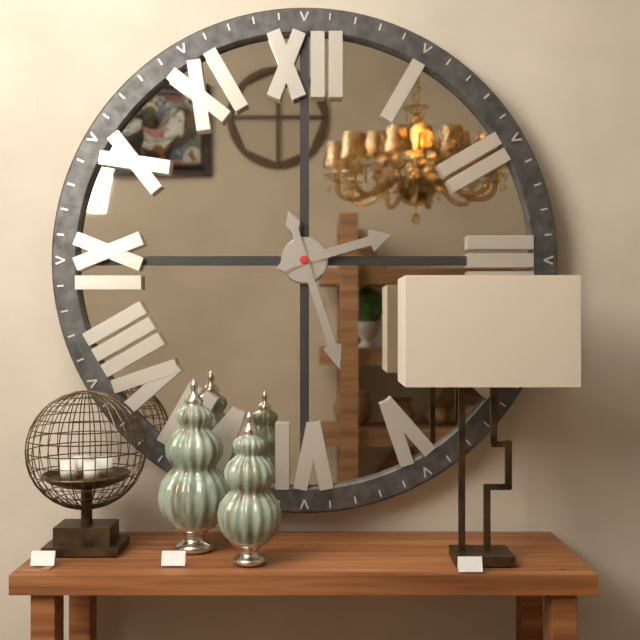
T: **2:27**
